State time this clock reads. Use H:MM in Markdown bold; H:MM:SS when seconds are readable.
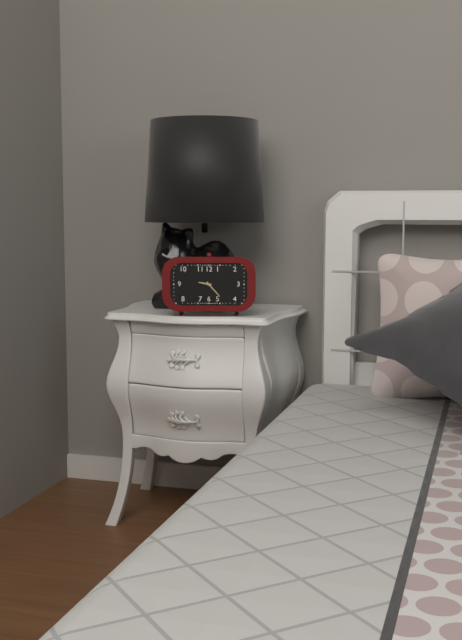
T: **9:23**
